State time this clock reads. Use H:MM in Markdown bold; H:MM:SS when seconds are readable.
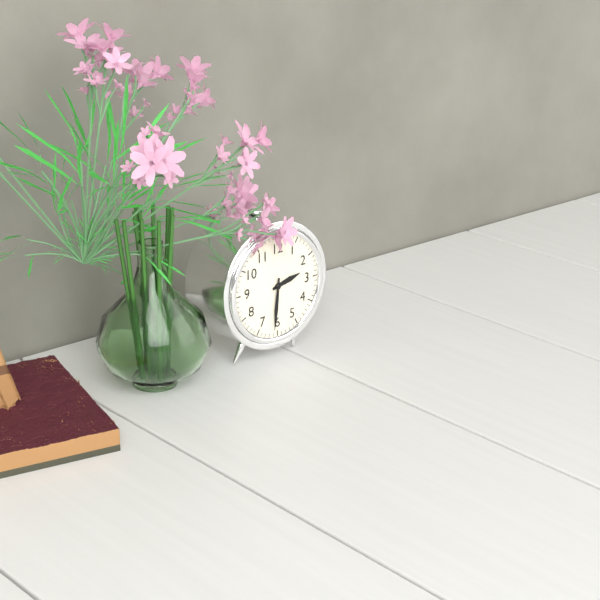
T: **2:31**
